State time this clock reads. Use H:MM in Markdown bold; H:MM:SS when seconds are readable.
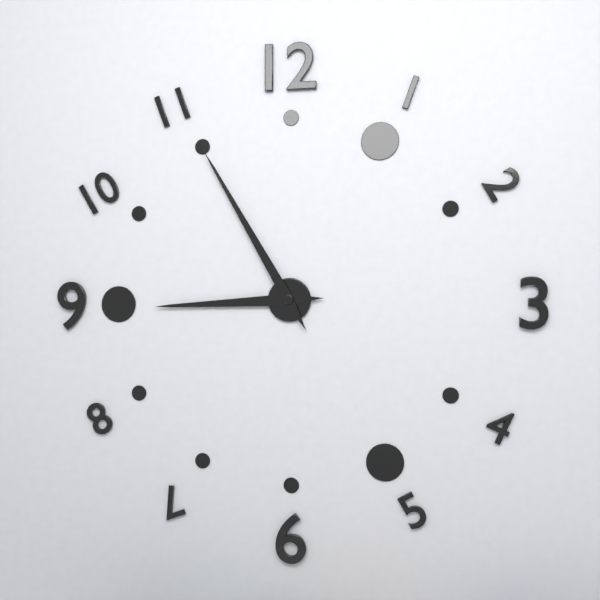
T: **8:55**
